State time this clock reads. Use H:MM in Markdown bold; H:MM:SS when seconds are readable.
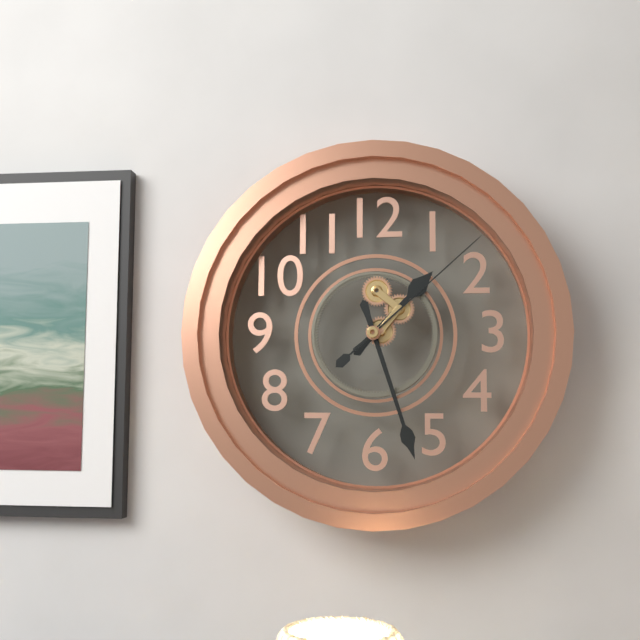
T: **1:27:08**
